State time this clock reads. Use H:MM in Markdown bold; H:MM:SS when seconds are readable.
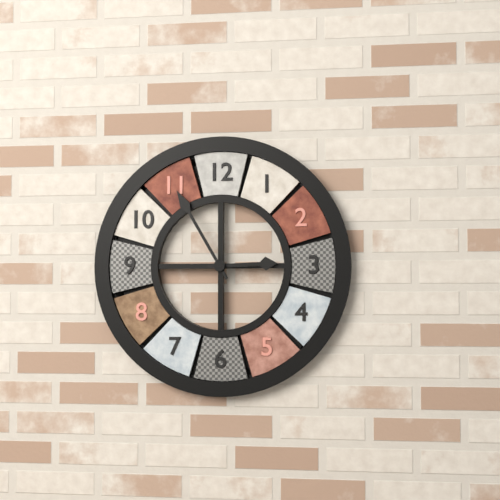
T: **2:55**
